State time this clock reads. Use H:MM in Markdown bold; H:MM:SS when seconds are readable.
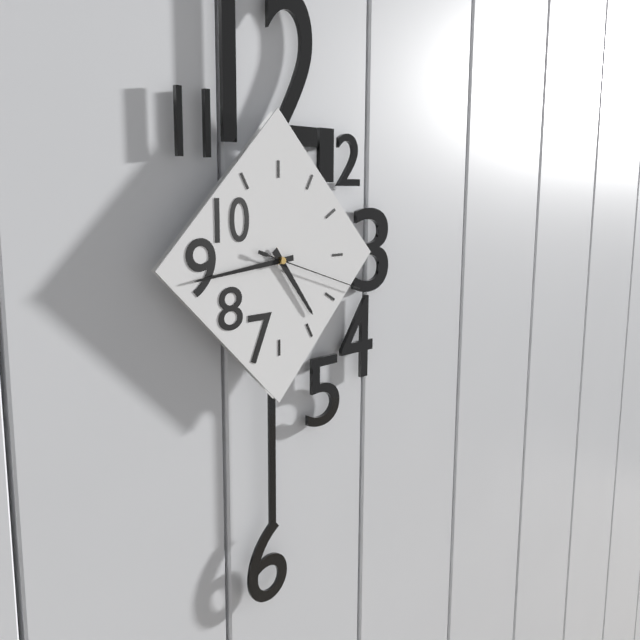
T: **4:44:18**
